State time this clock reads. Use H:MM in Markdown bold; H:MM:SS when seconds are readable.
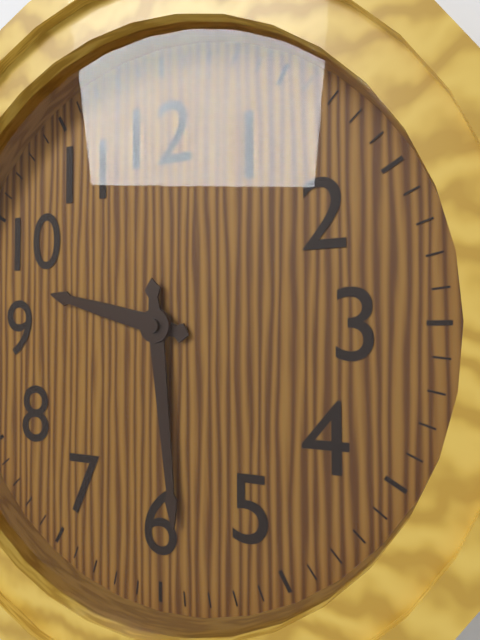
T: **9:29**
